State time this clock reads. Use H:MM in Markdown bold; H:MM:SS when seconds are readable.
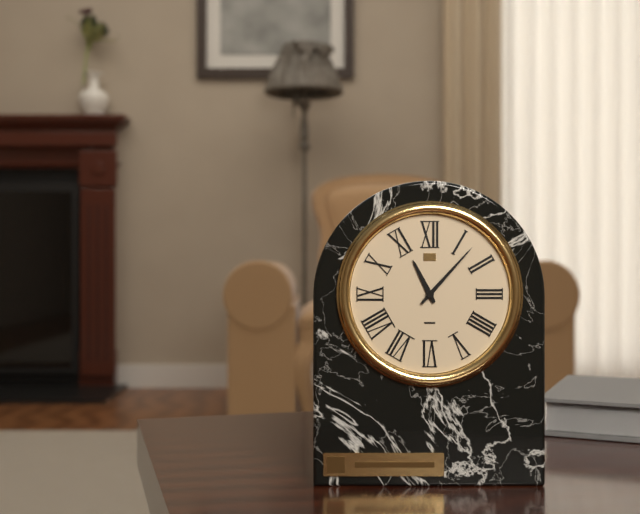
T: **11:07**
